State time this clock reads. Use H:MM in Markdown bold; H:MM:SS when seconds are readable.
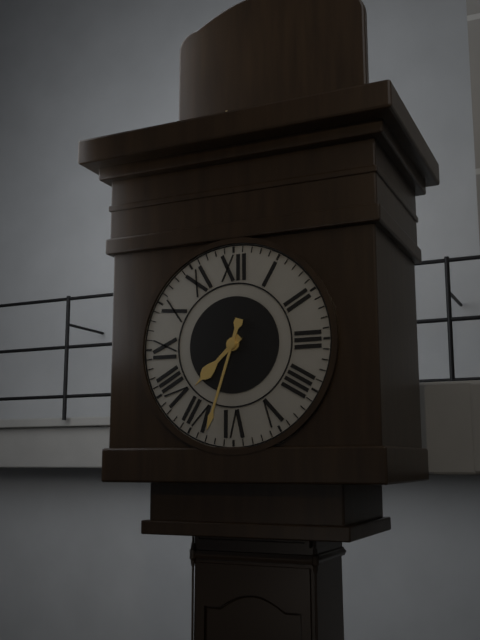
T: **7:33**
